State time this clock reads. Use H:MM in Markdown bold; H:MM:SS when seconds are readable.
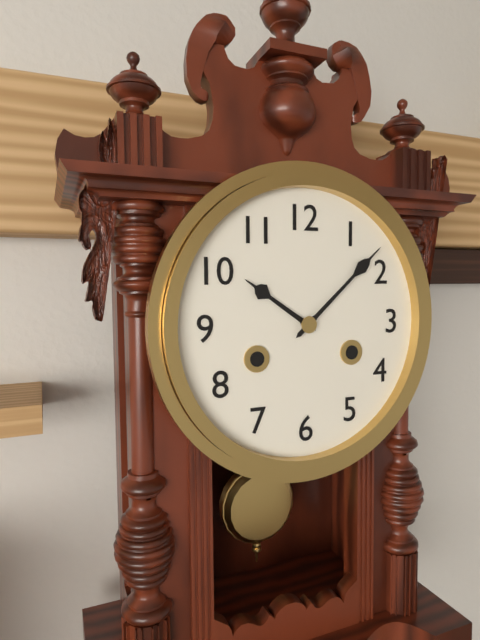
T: **10:08**
